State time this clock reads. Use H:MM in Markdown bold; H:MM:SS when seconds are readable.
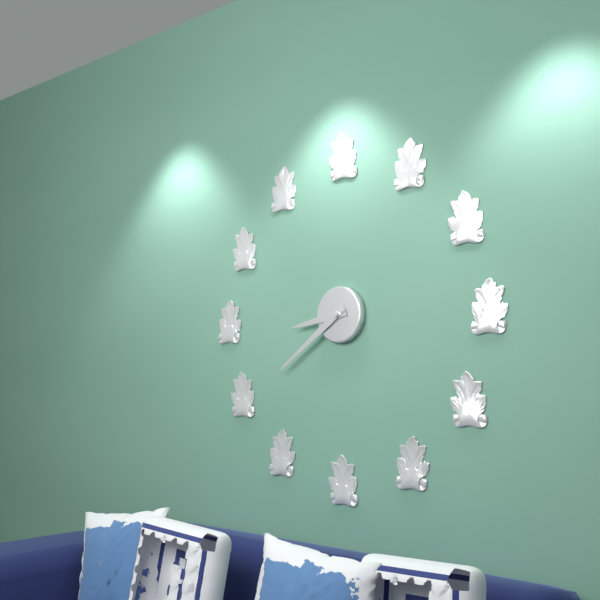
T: **8:39**
